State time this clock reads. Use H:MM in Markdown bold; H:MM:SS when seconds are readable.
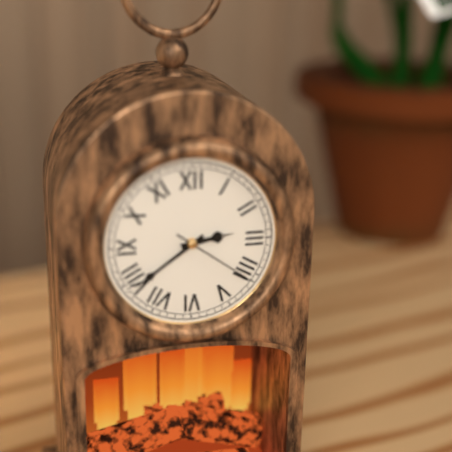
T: **2:39:21**
